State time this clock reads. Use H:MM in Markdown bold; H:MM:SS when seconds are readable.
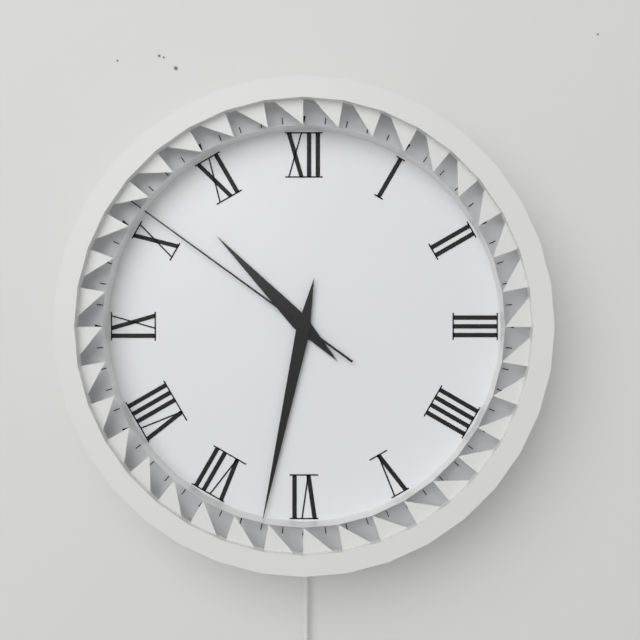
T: **10:32:51**
